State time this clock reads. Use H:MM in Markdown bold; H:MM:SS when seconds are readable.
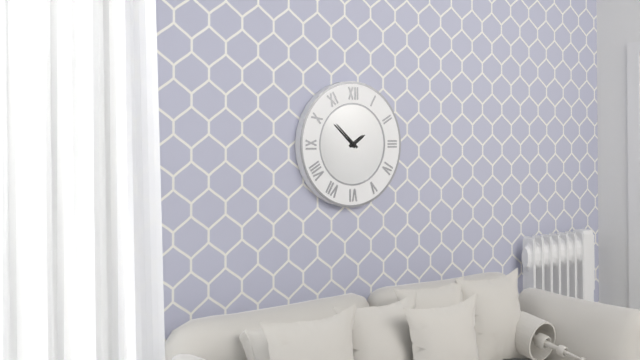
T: **1:52**
